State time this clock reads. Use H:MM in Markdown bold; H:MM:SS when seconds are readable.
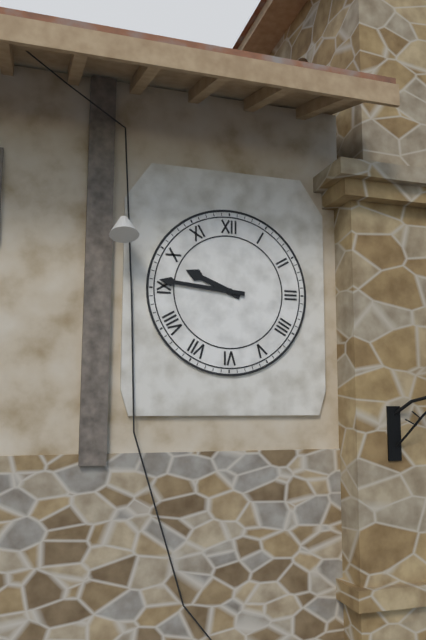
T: **9:46**
